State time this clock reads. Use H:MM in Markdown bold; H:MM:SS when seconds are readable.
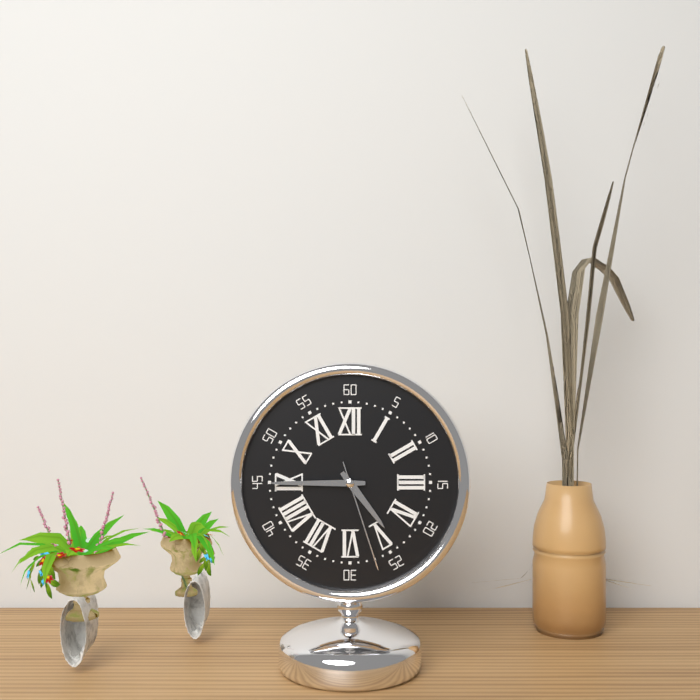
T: **4:45:27**
